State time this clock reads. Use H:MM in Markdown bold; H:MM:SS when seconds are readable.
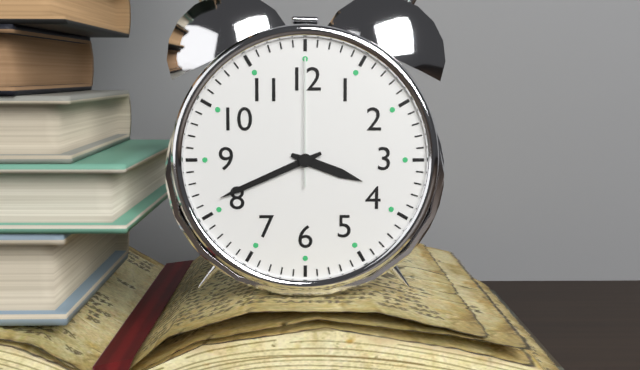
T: **3:41:00**
